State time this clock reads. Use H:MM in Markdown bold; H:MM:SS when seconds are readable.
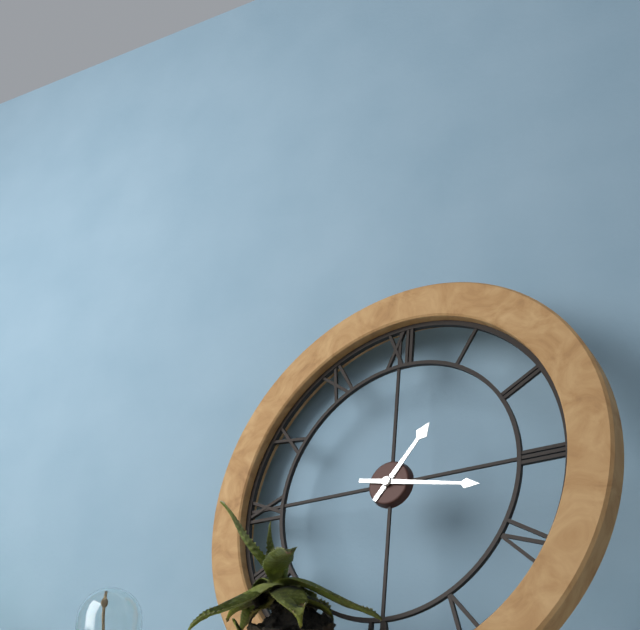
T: **1:17**
